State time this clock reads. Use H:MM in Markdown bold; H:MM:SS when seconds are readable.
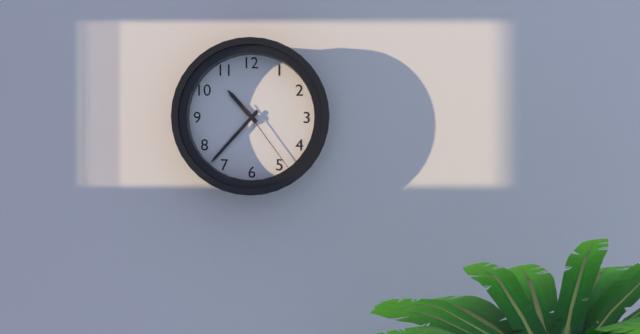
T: **10:37:24**
